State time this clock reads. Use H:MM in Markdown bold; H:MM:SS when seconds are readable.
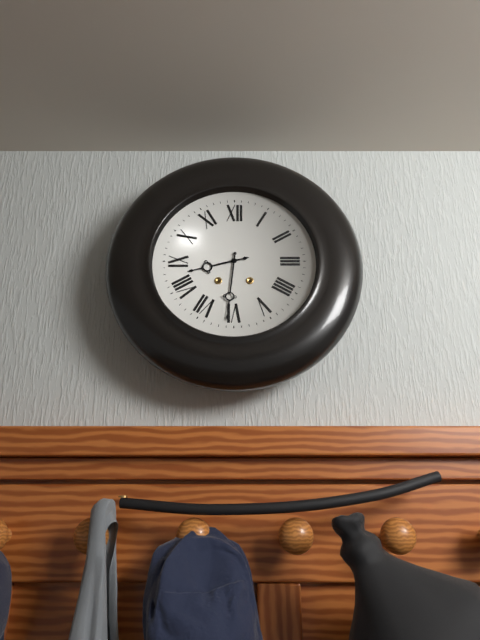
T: **8:31**
